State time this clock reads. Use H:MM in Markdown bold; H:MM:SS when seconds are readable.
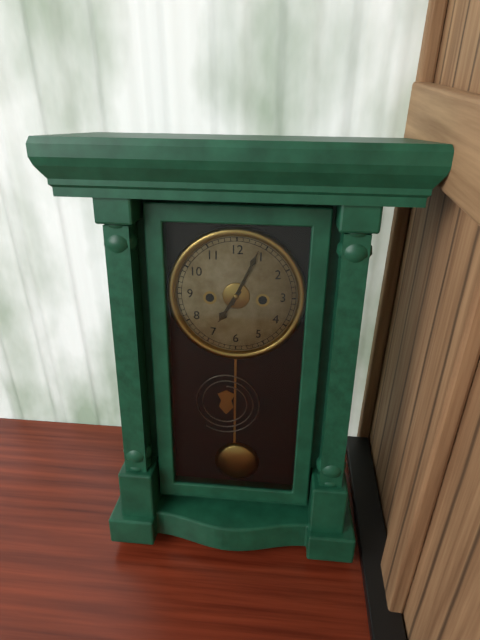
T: **7:04**
